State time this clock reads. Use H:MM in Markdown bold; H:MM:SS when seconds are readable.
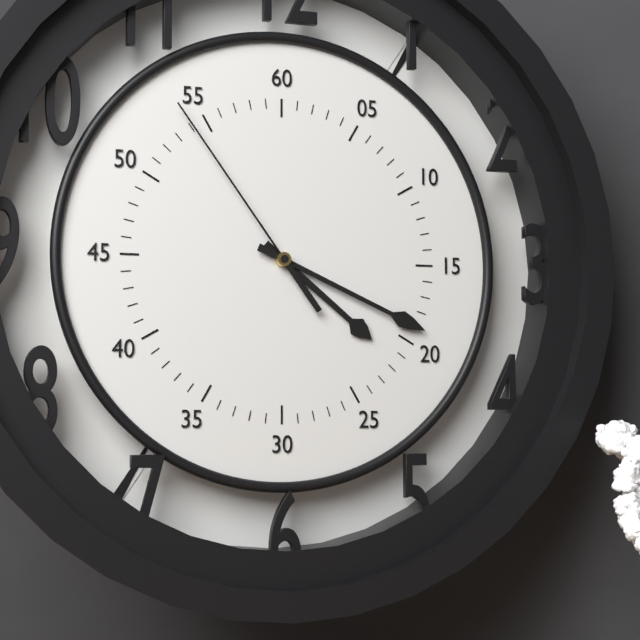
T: **4:19:54**
